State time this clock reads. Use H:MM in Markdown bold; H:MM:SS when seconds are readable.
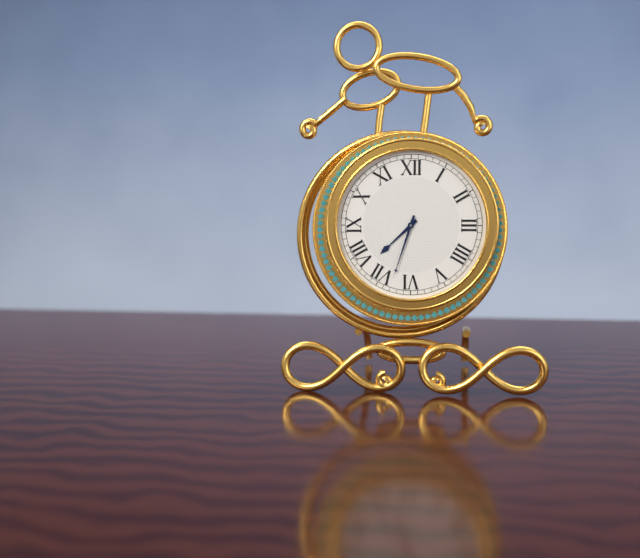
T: **7:33**
